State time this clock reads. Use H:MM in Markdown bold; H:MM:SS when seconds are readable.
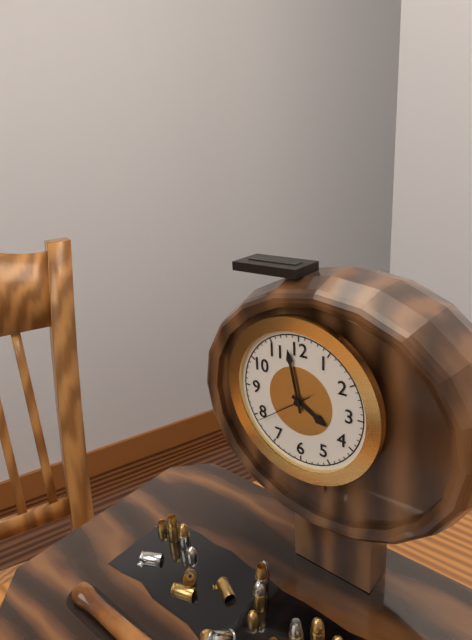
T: **3:58:39**
